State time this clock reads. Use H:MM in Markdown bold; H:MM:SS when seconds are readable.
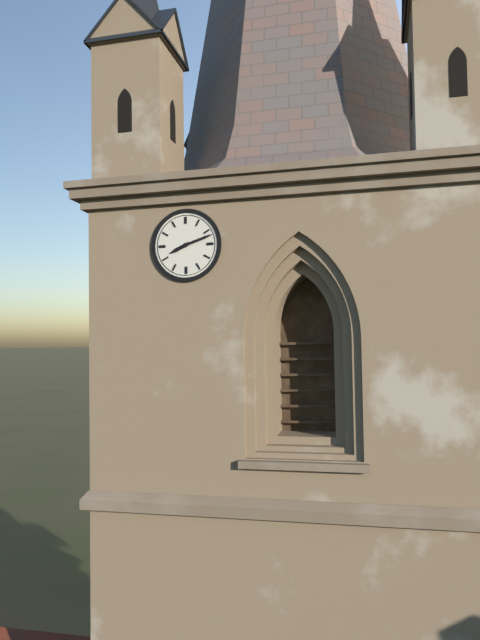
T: **8:12**
